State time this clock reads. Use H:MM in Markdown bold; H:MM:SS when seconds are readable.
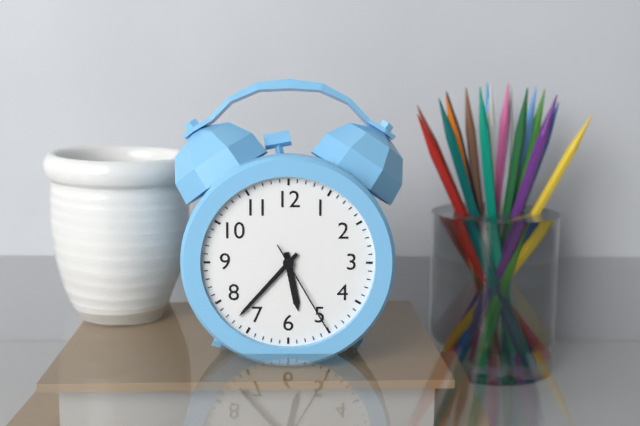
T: **5:37:25**
